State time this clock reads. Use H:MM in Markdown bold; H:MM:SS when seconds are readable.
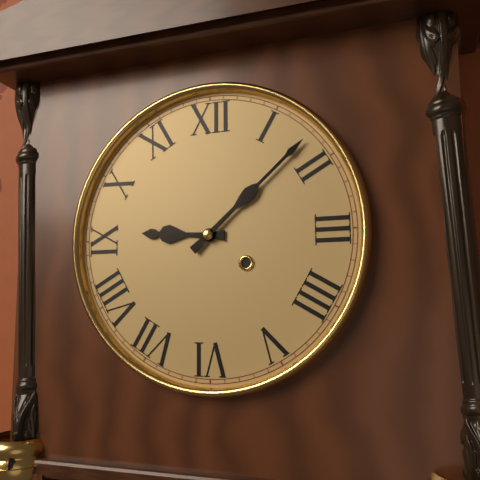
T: **9:08**
